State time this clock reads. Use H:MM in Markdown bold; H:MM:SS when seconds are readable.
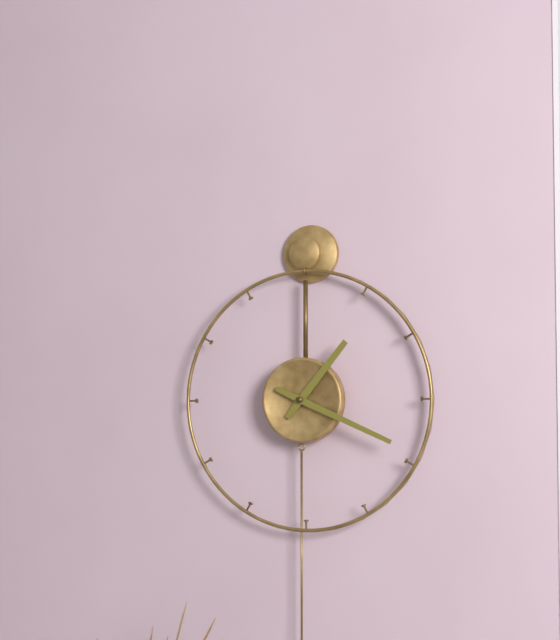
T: **1:19**
